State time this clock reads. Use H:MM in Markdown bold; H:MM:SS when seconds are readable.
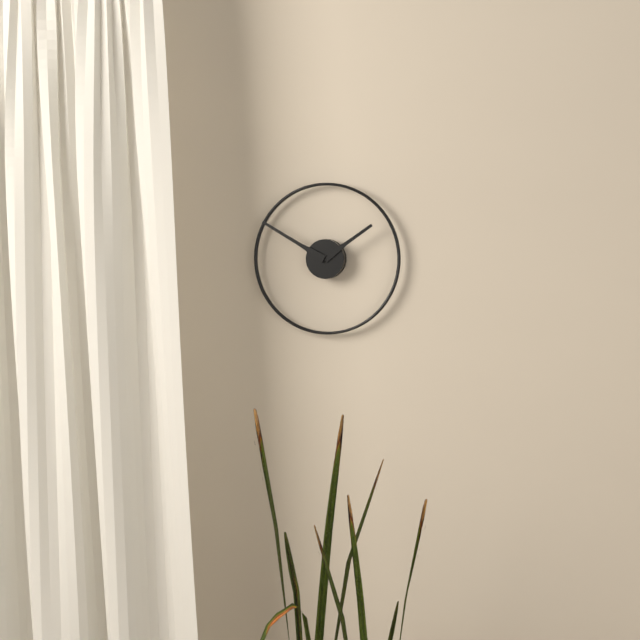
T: **1:50**
